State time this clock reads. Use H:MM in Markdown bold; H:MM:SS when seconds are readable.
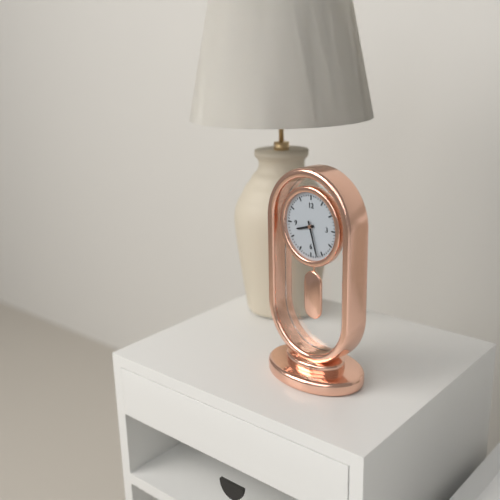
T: **8:27**
